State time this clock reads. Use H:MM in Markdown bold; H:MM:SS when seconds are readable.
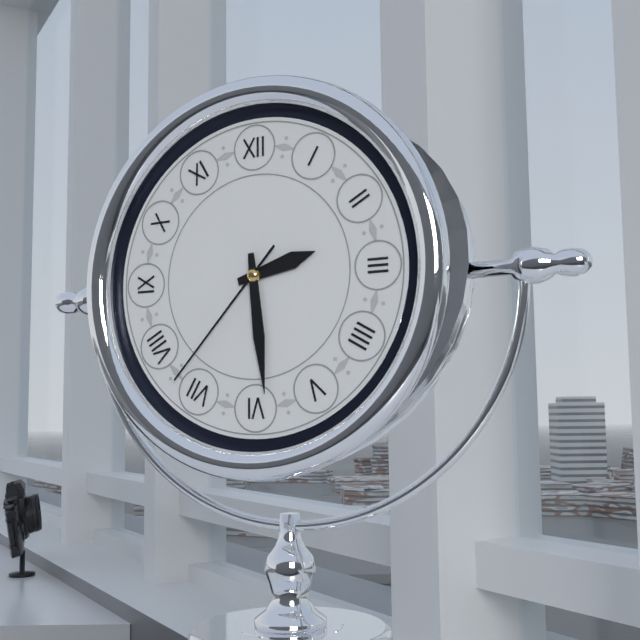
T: **2:29:37**
